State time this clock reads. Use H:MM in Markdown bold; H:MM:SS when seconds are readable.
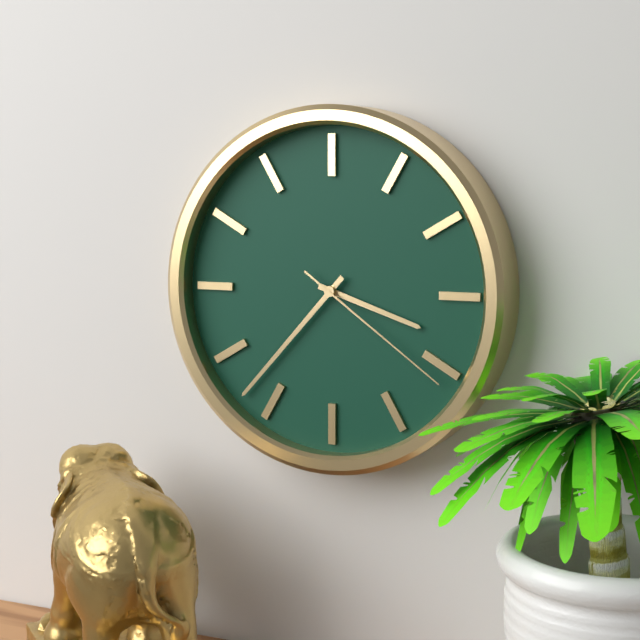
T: **3:37:21**
